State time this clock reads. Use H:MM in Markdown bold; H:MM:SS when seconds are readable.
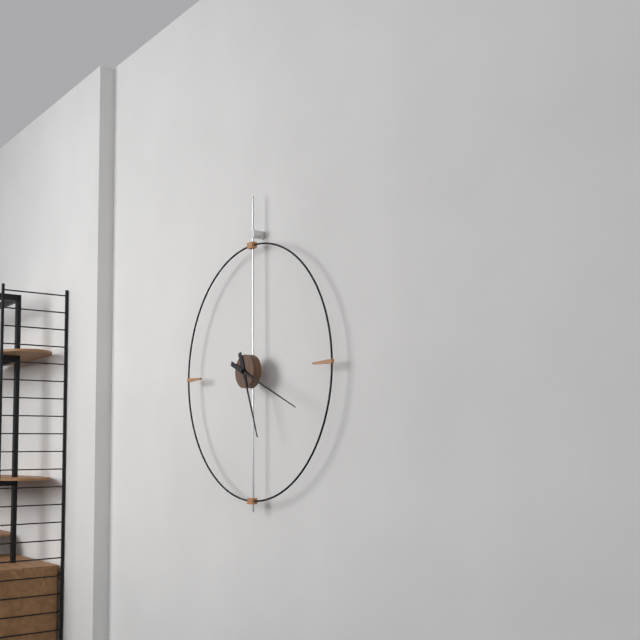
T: **5:19**
